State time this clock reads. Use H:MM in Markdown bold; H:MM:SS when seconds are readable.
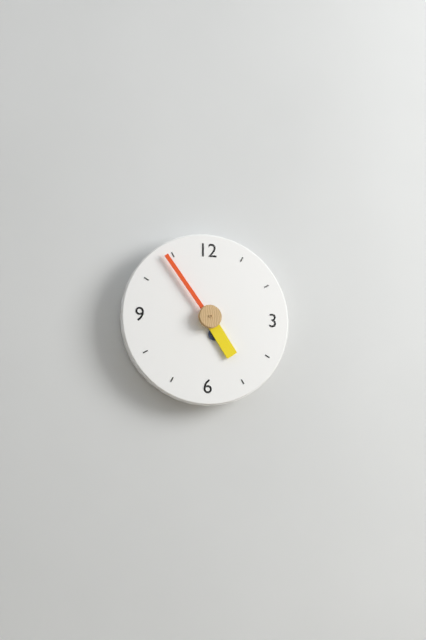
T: **4:54**
